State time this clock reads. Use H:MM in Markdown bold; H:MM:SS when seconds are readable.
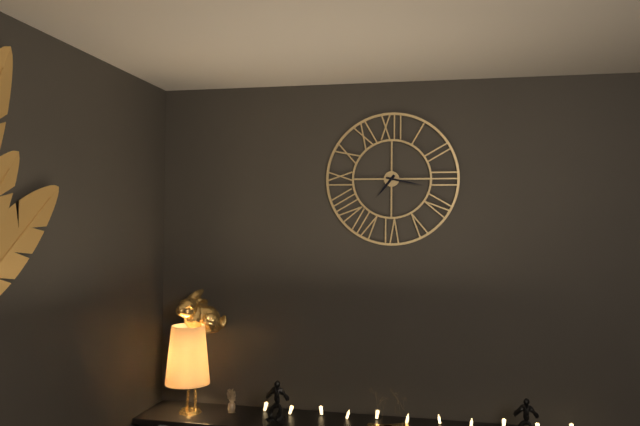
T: **7:17**
